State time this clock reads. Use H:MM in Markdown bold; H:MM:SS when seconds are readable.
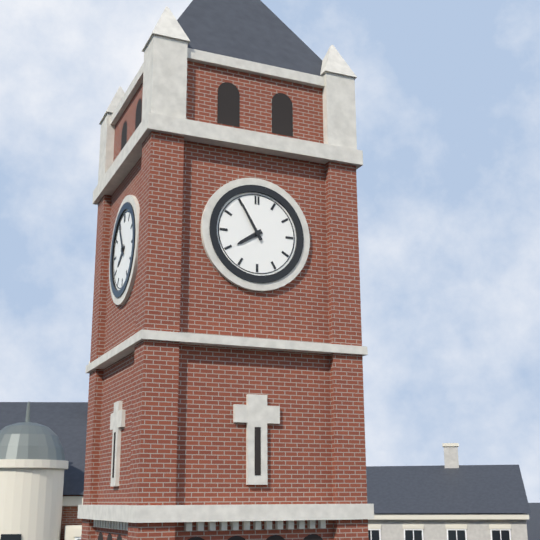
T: **7:55**
